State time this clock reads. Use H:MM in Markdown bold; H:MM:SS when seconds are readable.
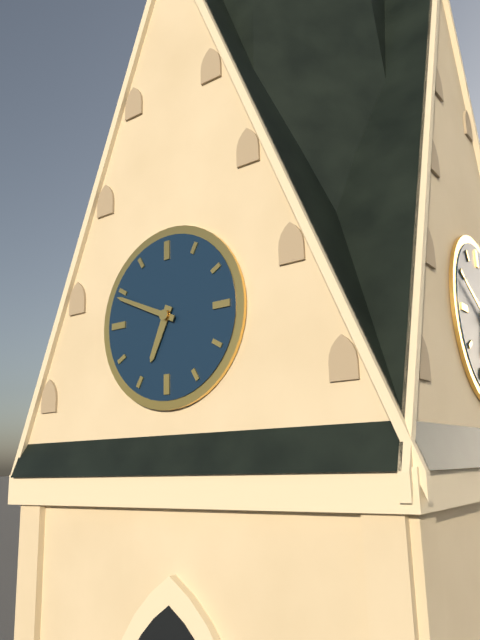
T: **6:49**
